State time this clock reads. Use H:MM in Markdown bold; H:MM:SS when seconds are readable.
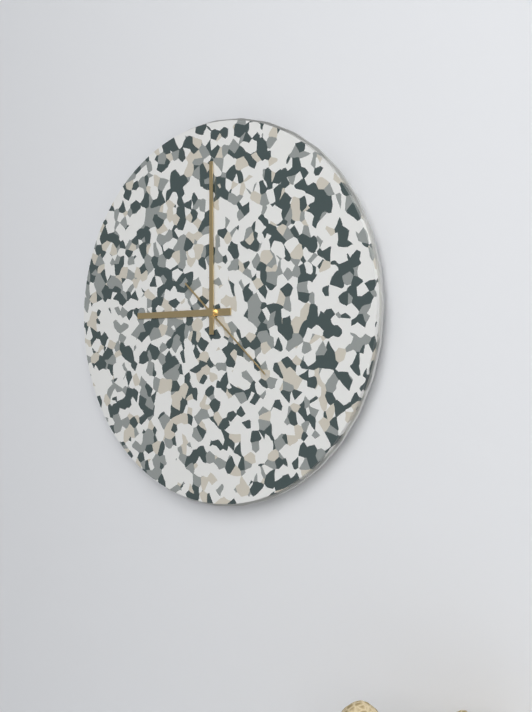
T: **9:00:22**
